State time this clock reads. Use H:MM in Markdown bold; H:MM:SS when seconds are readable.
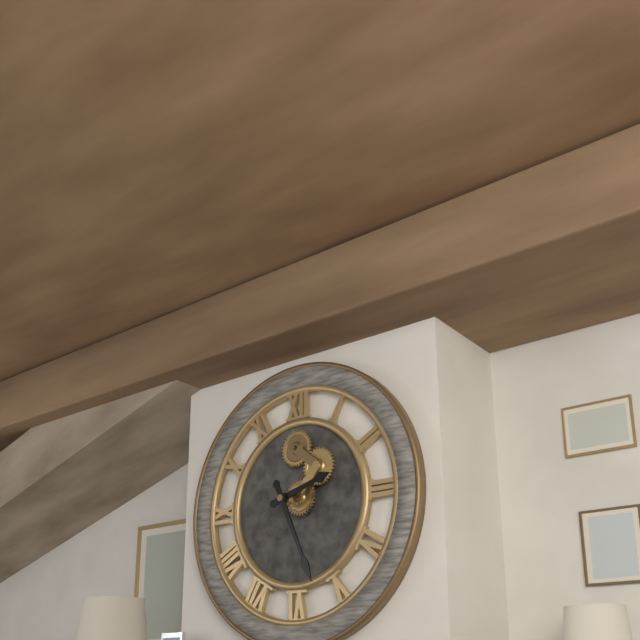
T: **2:26**
